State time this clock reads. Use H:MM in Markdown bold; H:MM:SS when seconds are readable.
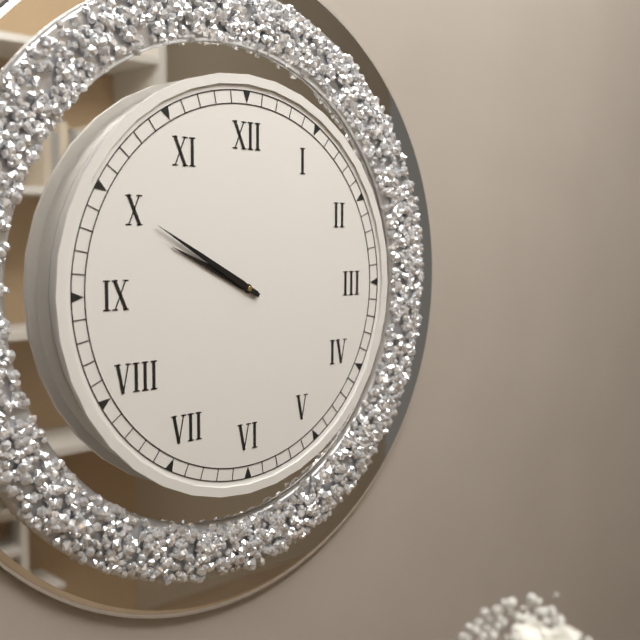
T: **9:50**
